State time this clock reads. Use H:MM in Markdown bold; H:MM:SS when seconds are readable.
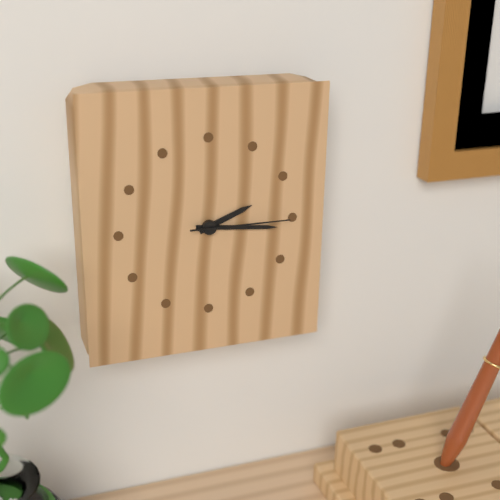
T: **2:16:15**
